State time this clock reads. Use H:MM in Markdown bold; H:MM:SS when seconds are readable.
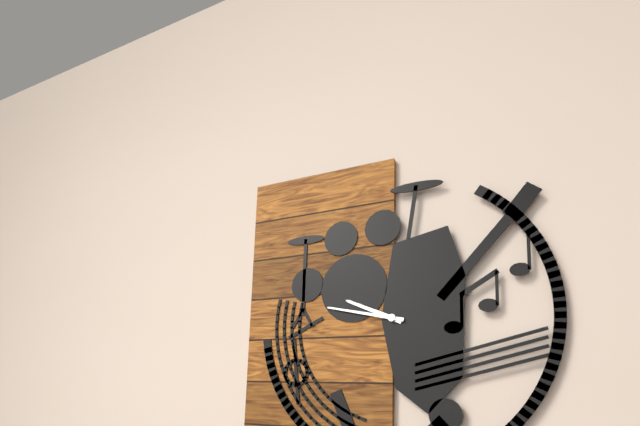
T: **9:47**
